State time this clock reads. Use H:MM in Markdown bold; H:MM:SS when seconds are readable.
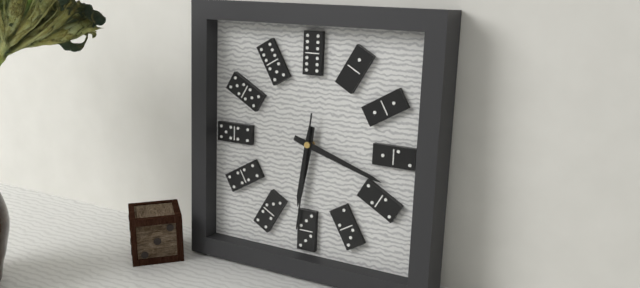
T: **6:18:31**
